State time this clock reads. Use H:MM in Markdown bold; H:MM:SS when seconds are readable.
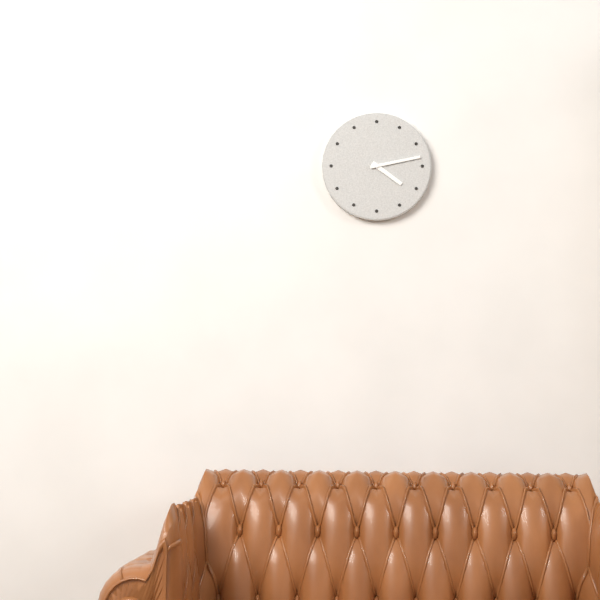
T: **4:13**
